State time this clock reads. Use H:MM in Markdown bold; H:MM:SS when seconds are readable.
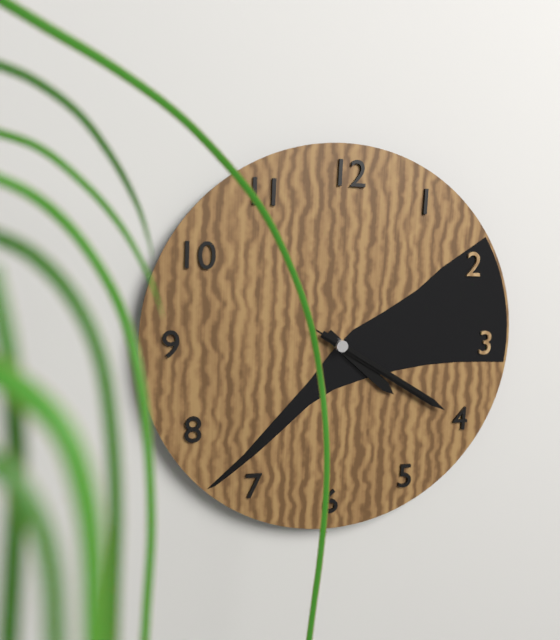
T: **4:20:20**
